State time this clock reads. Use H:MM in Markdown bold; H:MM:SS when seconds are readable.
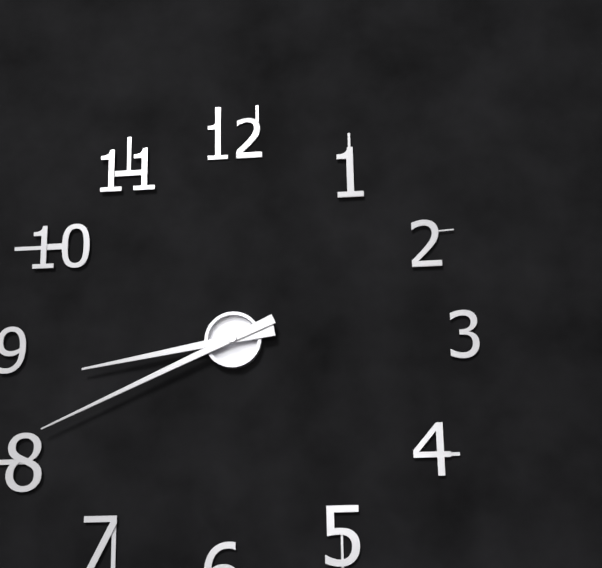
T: **8:41**
